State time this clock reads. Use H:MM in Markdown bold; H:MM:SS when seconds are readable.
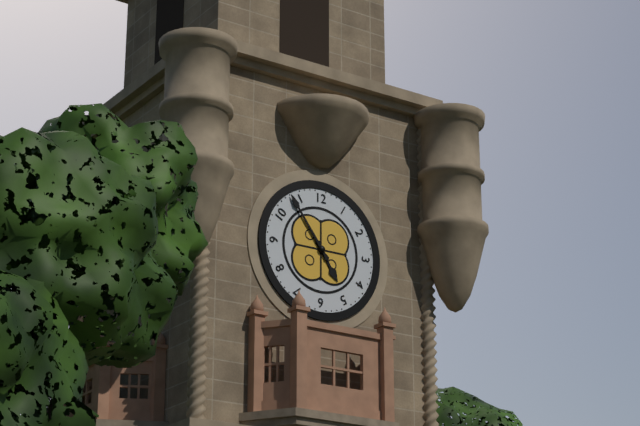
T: **4:54**
